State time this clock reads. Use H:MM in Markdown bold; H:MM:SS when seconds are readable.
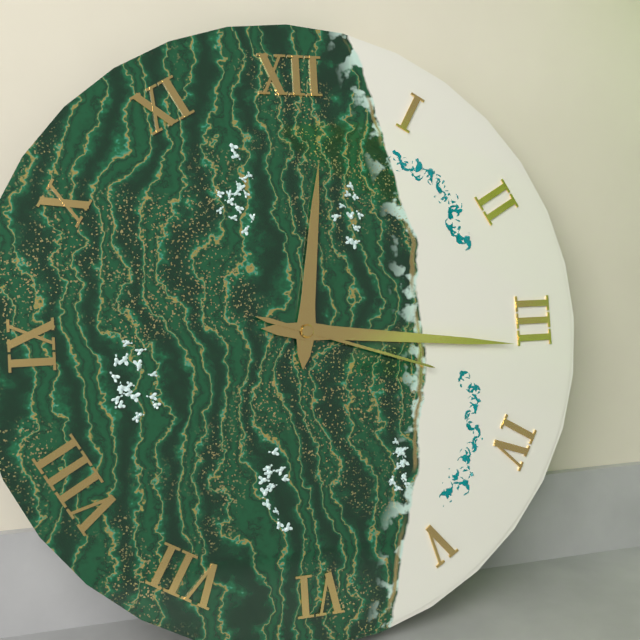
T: **12:16:18**
